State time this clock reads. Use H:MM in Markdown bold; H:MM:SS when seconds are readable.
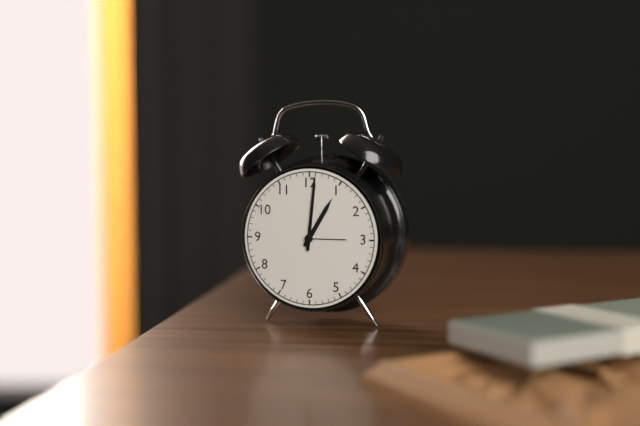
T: **1:01**
